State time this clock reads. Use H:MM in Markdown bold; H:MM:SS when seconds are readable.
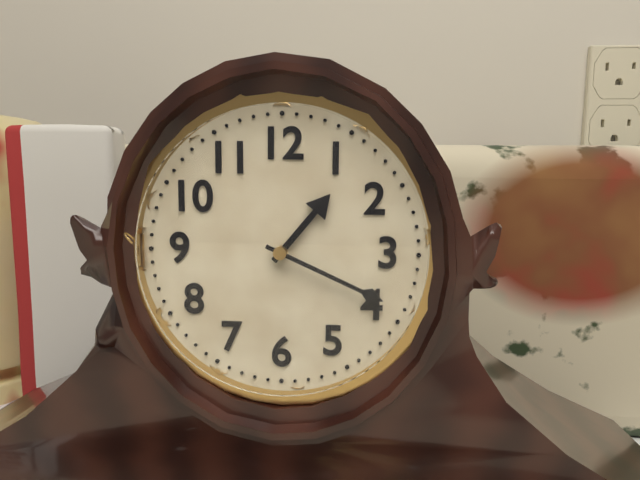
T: **1:19**
